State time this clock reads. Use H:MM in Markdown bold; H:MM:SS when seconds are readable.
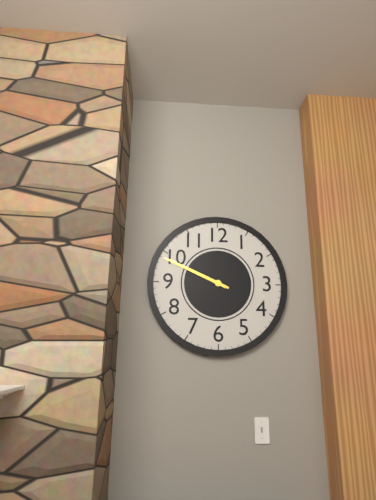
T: **9:49**
